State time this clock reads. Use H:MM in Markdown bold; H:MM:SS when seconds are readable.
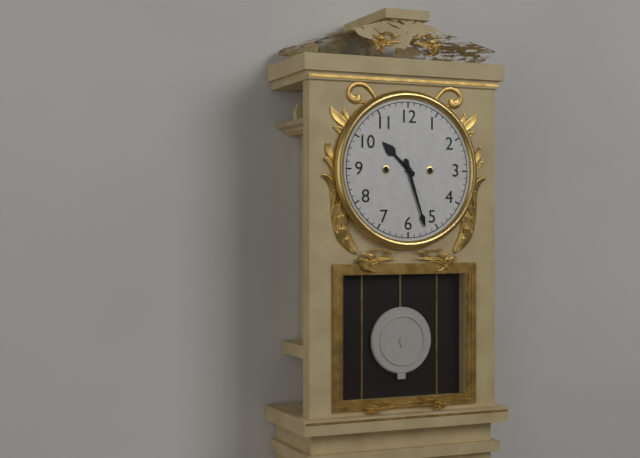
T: **10:27**
